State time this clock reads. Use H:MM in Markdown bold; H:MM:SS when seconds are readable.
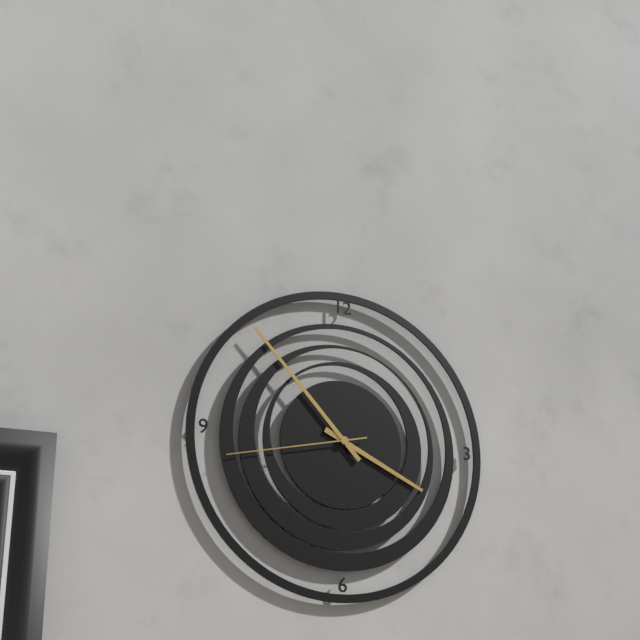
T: **3:53:43**
